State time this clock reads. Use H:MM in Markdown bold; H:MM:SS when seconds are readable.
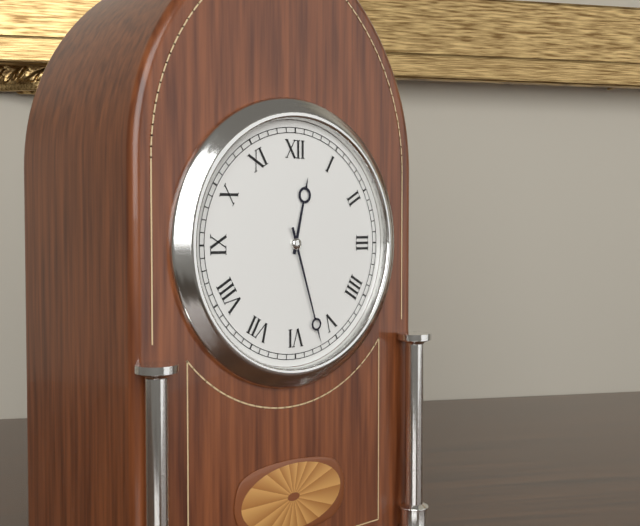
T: **12:27**
